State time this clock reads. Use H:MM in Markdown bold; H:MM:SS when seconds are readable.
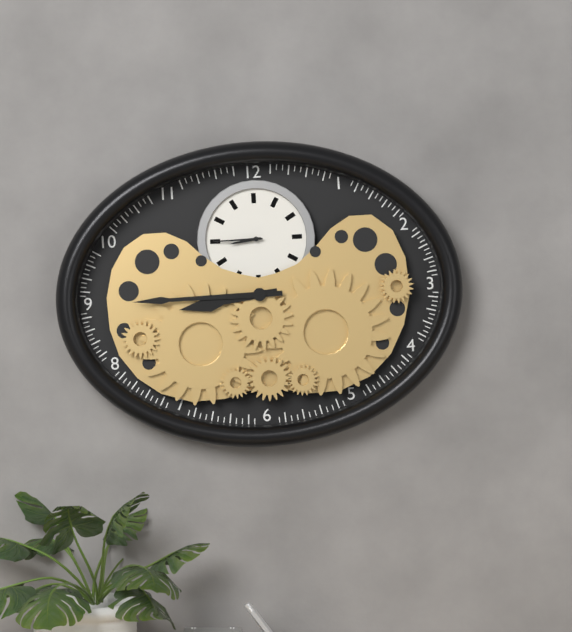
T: **8:45**
